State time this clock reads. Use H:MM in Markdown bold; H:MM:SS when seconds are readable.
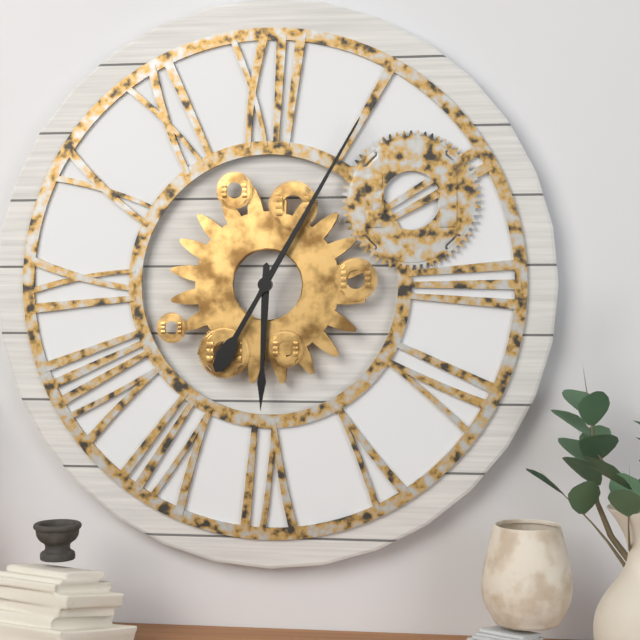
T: **6:05**
